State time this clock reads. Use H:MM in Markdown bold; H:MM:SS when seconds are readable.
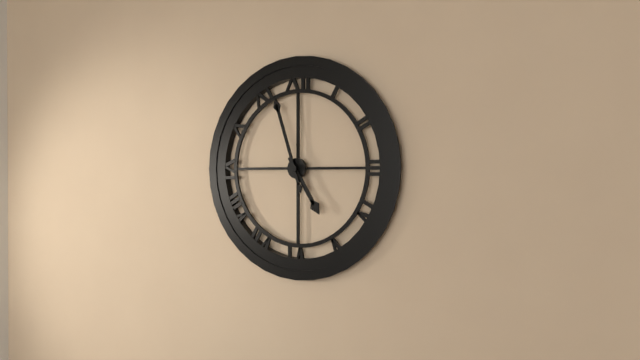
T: **4:57**
